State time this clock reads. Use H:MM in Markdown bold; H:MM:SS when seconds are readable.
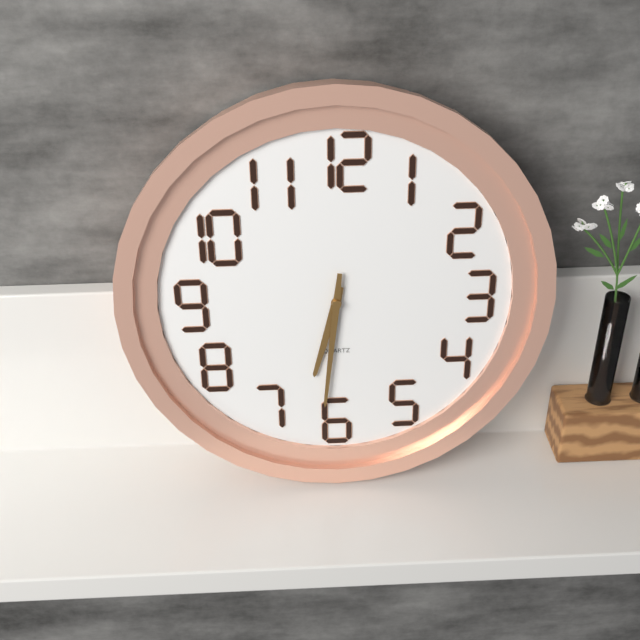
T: **6:31**
